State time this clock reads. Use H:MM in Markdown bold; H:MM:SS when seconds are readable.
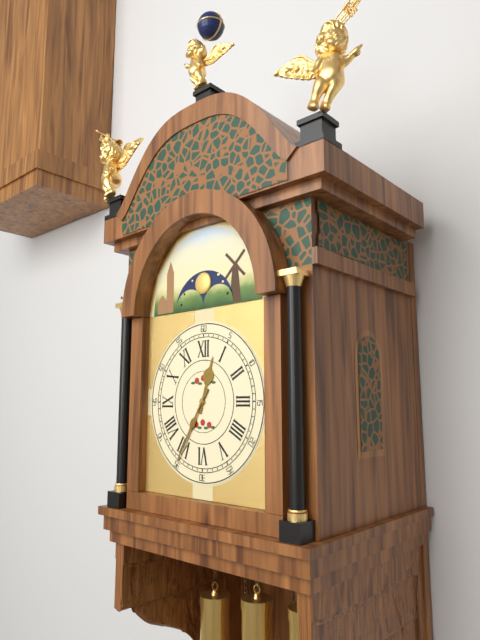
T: **12:35**
